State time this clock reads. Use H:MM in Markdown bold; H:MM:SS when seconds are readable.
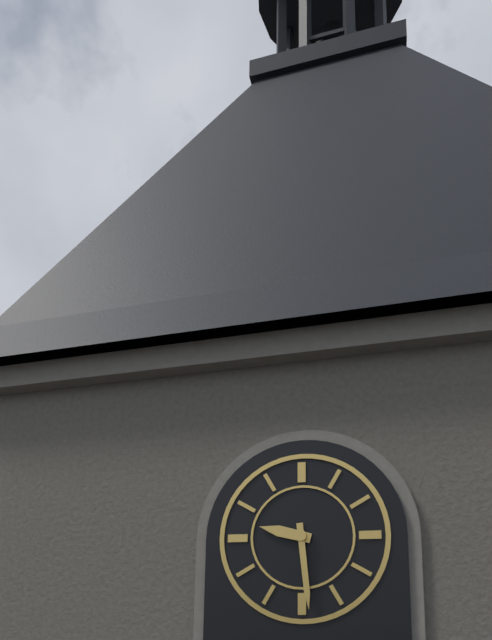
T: **9:29**
